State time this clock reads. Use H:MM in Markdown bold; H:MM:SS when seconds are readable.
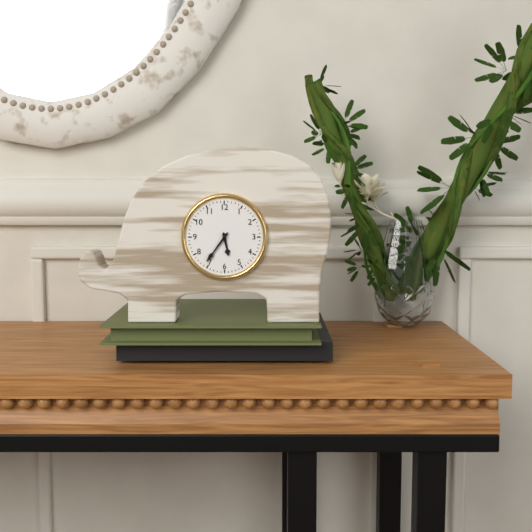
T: **5:36**
